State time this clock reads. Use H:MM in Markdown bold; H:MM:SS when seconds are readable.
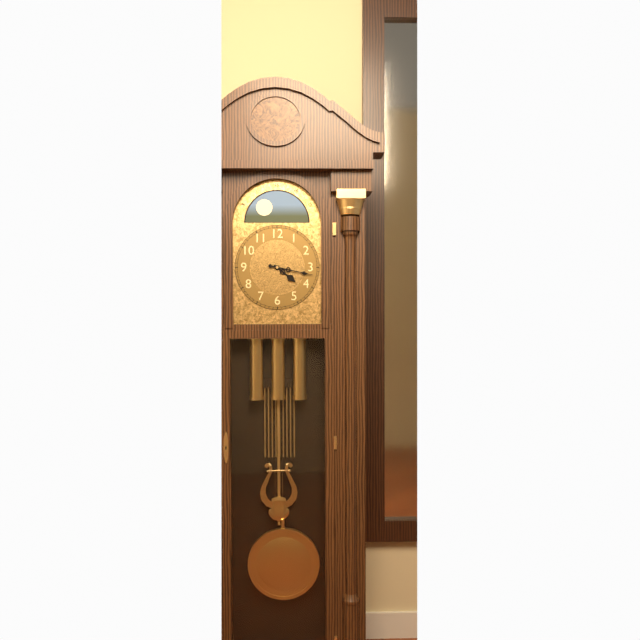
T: **4:17**
